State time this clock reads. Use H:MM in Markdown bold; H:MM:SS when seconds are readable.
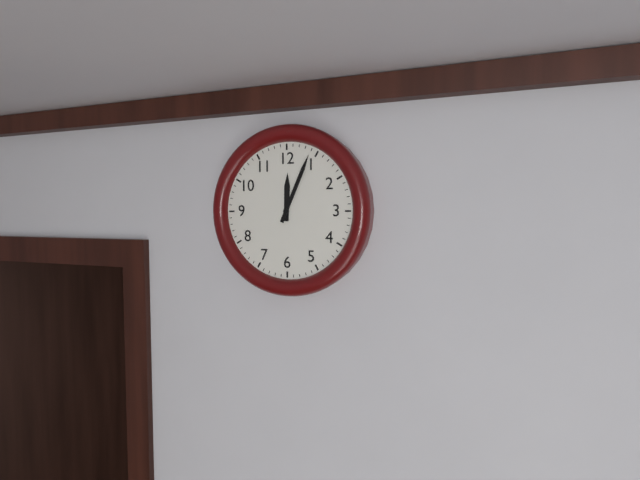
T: **12:04**
